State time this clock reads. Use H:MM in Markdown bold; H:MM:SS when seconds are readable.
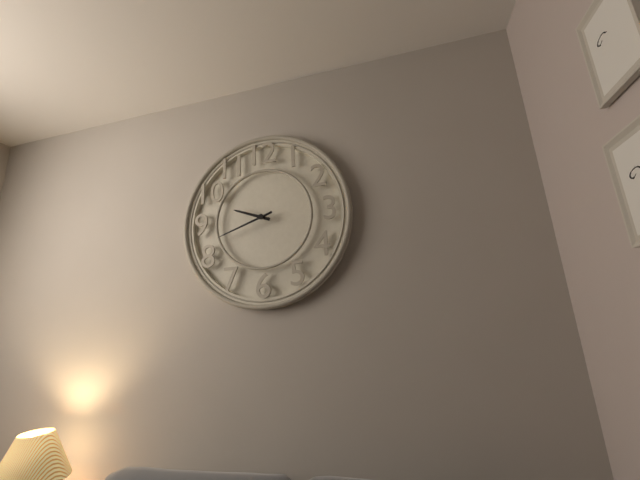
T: **9:42**
